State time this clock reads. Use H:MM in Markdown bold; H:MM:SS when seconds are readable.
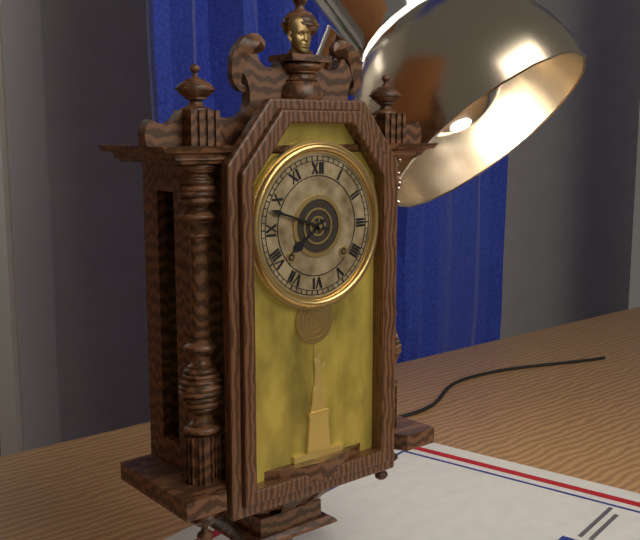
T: **7:48**
